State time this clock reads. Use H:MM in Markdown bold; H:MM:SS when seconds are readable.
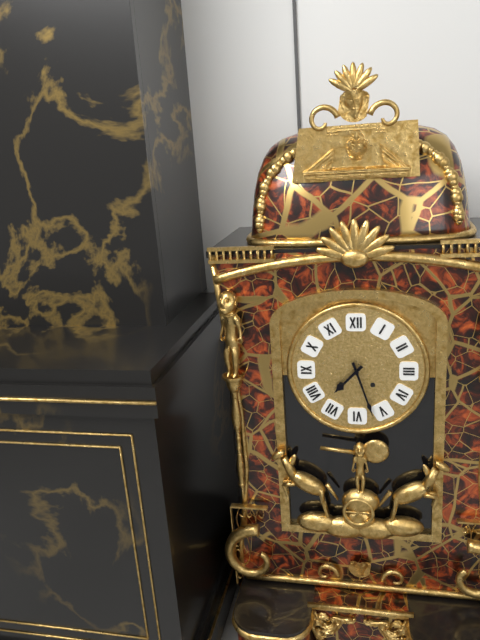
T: **7:27**
